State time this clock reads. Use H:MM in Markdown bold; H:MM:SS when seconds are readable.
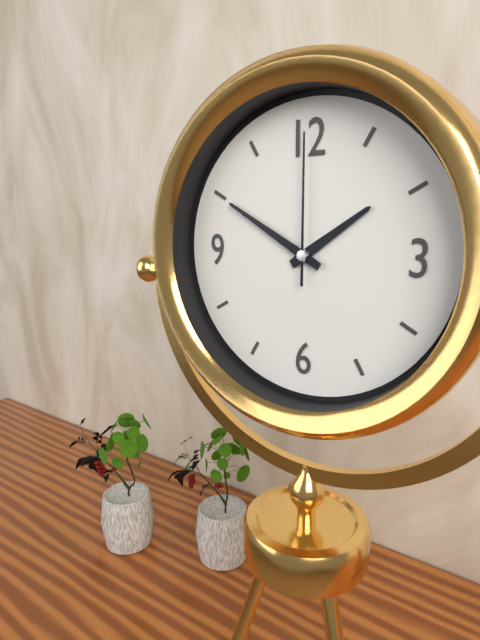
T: **1:50:00**
